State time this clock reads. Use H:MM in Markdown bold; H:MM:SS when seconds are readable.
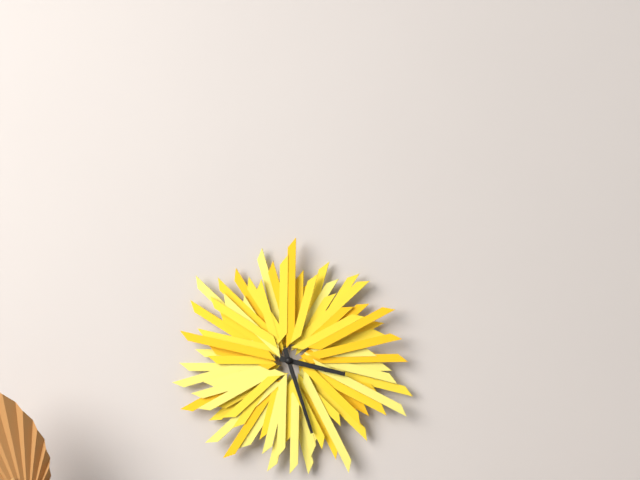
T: **3:27**
